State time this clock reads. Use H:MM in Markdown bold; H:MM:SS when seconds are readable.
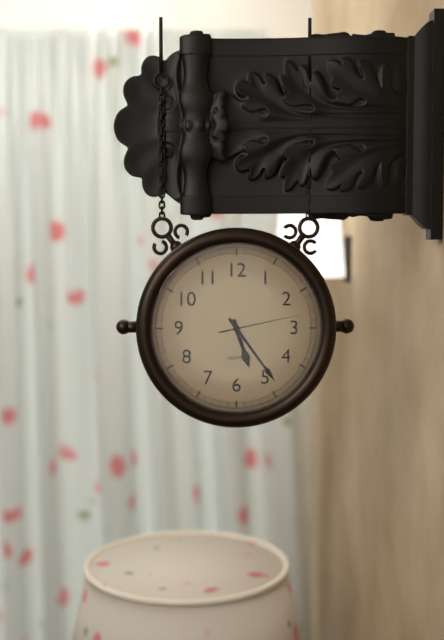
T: **5:24:13**
